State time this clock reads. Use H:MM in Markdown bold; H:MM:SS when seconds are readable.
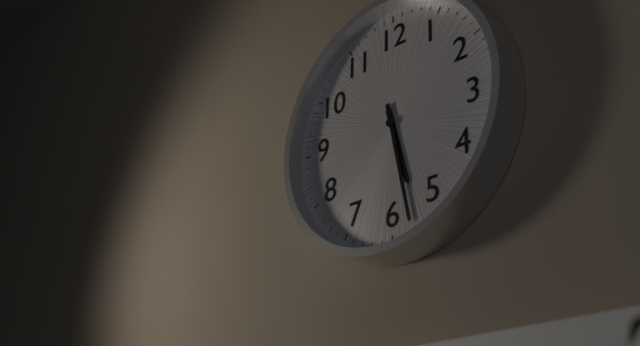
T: **5:28**
